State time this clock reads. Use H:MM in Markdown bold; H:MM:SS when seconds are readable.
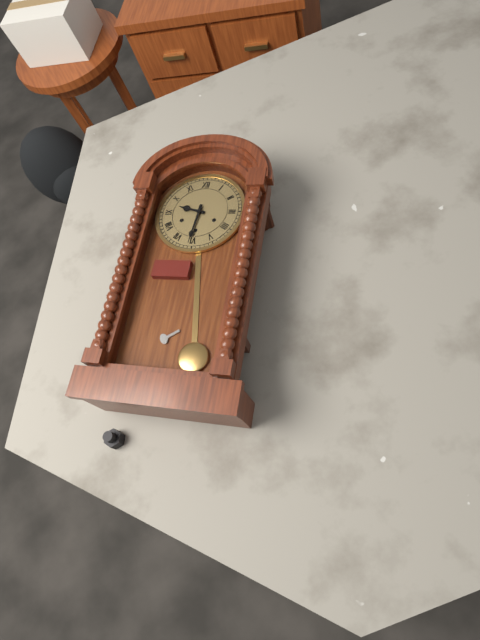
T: **9:31**
